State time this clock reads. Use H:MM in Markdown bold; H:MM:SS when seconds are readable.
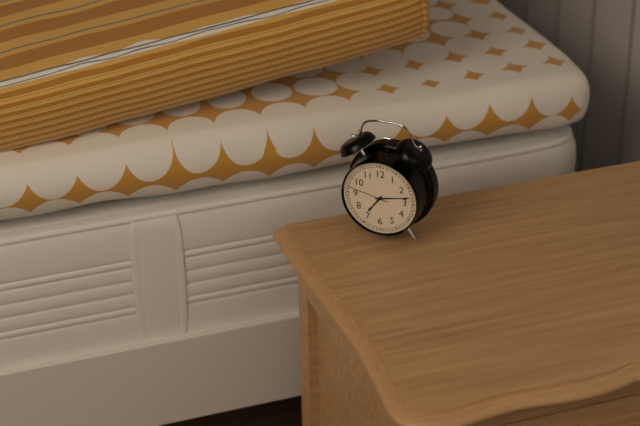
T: **7:13**
